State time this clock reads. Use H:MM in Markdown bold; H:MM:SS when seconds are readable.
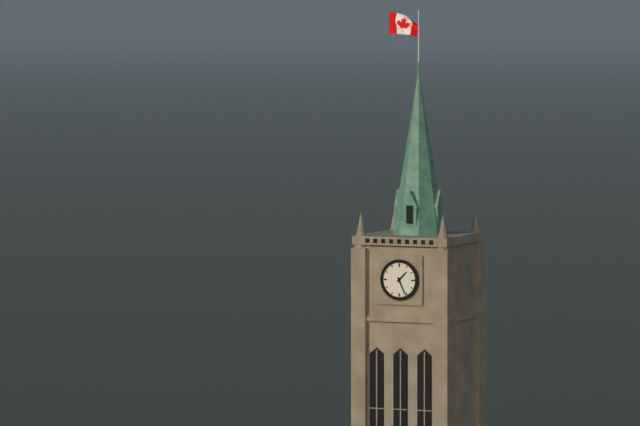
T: **1:26**
